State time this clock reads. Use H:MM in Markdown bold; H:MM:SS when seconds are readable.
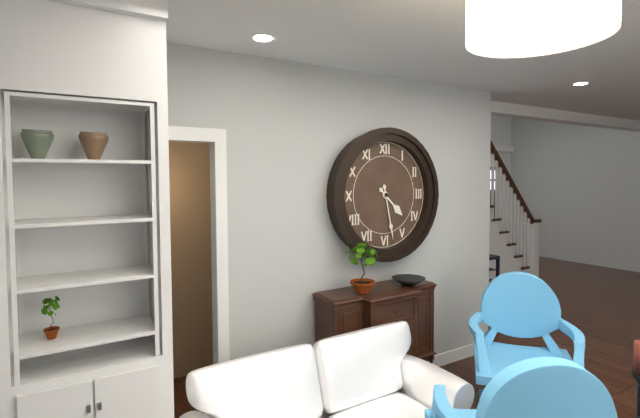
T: **4:28**
